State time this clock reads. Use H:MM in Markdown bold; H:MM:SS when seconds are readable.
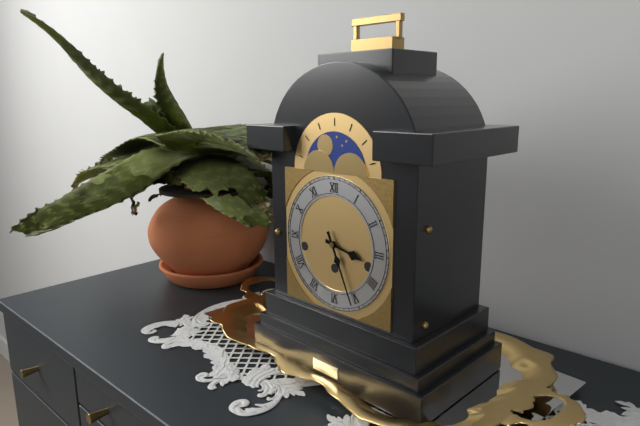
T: **3:26**
